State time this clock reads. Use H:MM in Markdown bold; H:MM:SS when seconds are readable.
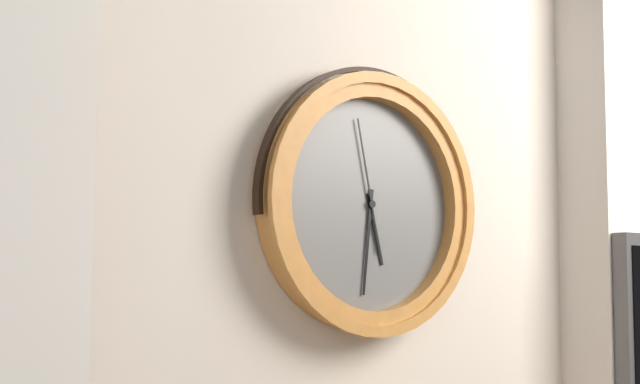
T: **5:31:58**
